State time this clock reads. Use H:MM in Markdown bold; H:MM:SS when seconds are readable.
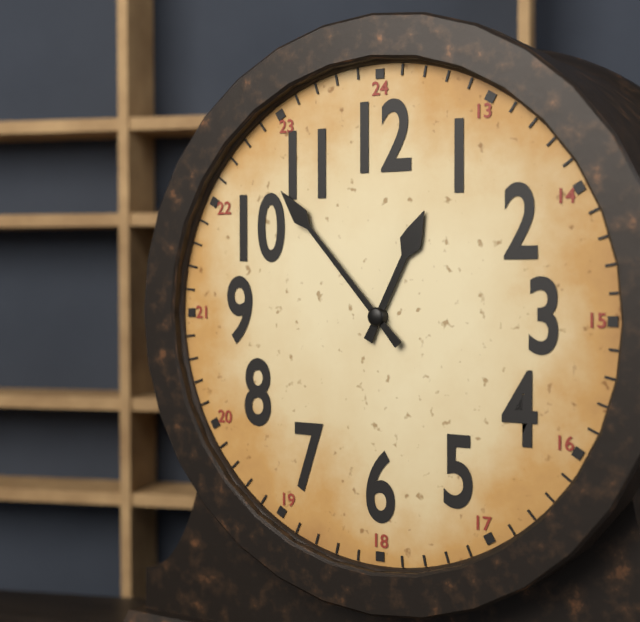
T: **12:53**
